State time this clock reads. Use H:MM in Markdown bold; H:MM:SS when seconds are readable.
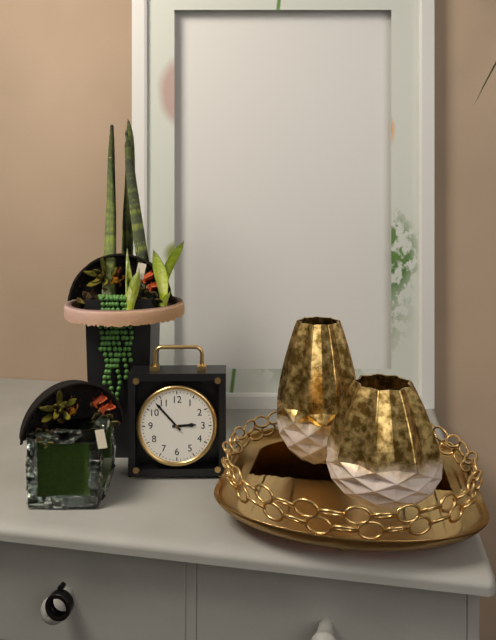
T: **2:53**
